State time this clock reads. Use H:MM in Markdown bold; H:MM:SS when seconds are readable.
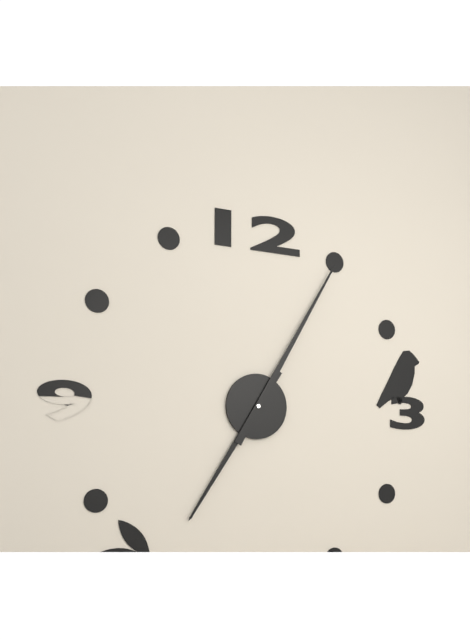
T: **7:05**
